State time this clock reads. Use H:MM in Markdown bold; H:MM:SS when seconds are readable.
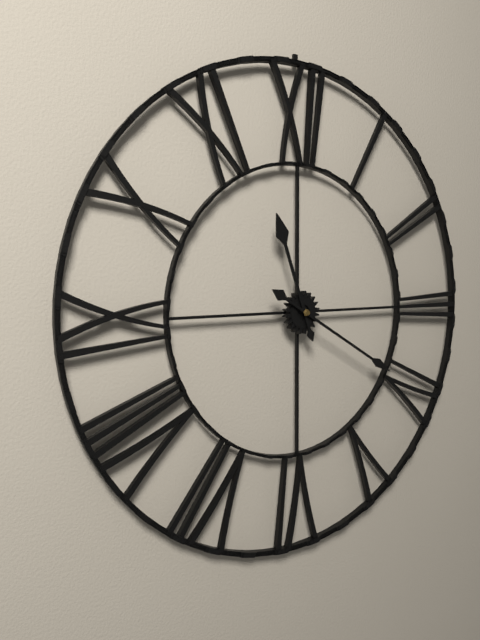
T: **11:20**
